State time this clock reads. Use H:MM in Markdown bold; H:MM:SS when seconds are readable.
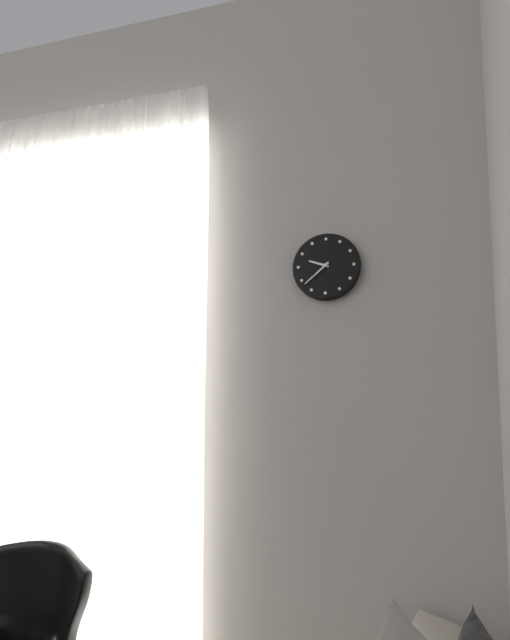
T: **9:38**
